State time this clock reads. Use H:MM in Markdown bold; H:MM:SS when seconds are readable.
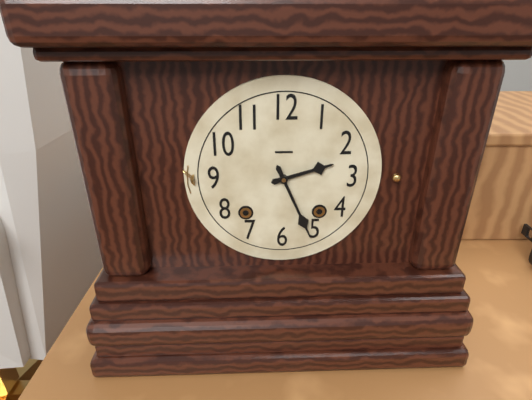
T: **2:26**
